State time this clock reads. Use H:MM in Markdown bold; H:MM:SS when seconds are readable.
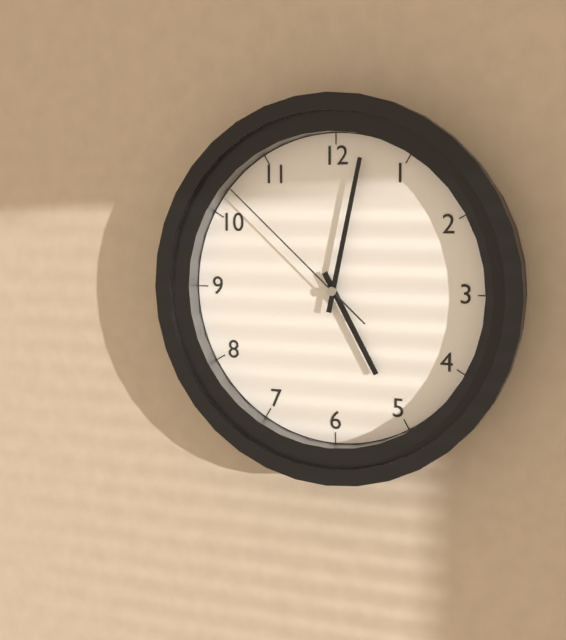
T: **5:02:52**
